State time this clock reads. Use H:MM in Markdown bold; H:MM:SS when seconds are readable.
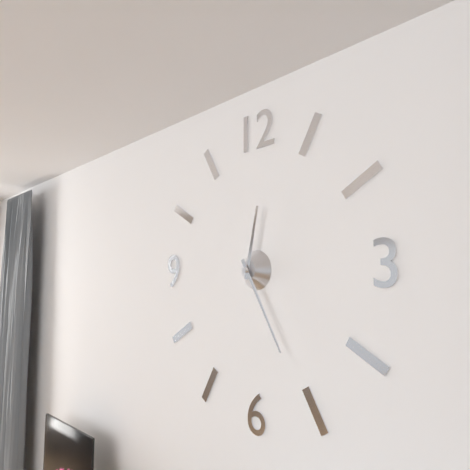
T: **12:25**
